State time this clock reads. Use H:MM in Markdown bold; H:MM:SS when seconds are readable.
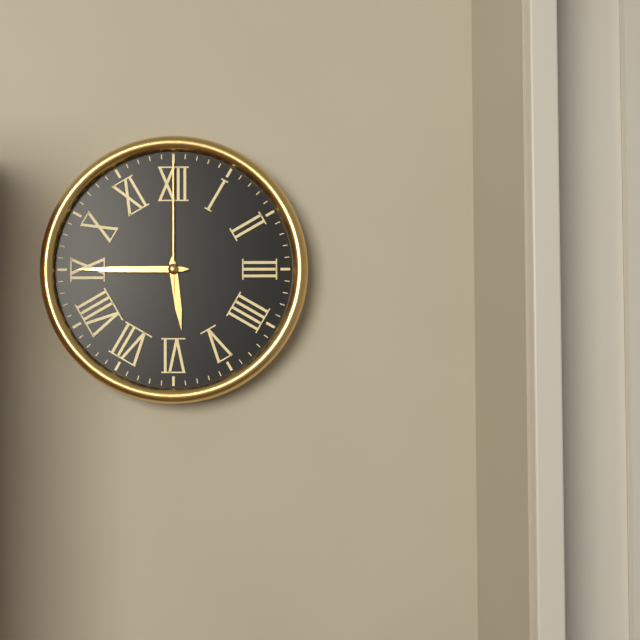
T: **5:45:00**
